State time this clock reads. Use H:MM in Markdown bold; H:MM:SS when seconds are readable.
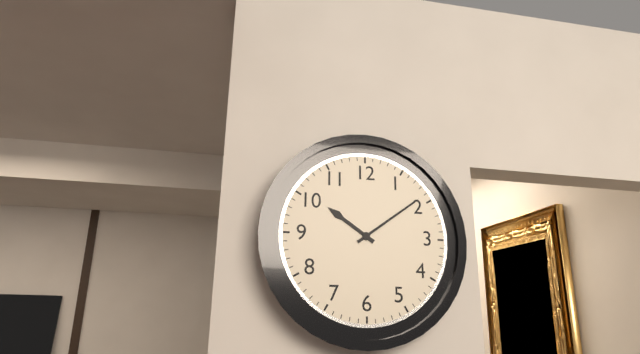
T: **10:09**
